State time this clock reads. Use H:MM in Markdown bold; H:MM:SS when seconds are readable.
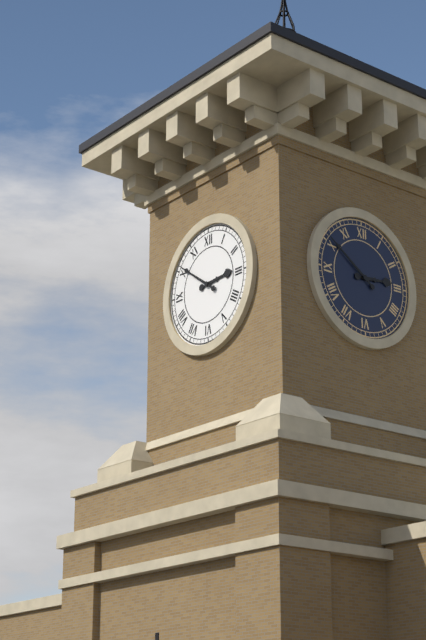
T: **2:51**
